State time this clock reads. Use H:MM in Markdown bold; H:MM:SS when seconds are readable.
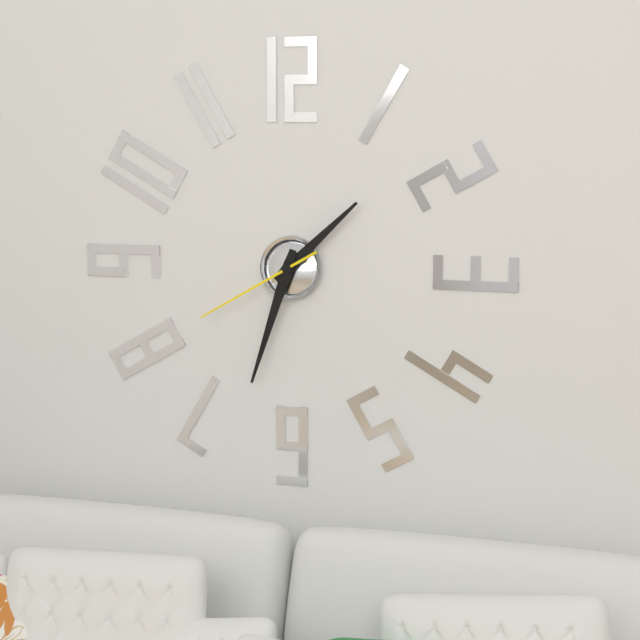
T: **1:33:40**
